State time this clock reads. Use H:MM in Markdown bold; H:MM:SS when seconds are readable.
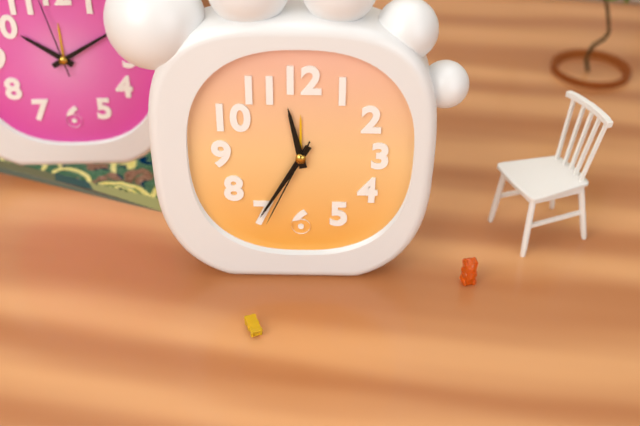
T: **11:35:34**
